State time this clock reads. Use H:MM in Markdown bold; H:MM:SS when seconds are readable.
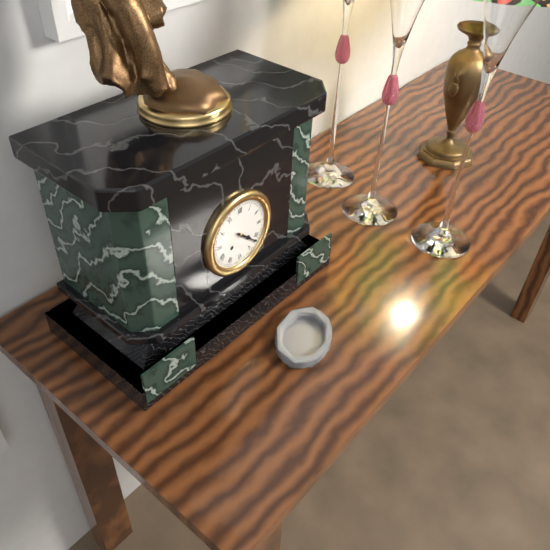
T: **4:22**
